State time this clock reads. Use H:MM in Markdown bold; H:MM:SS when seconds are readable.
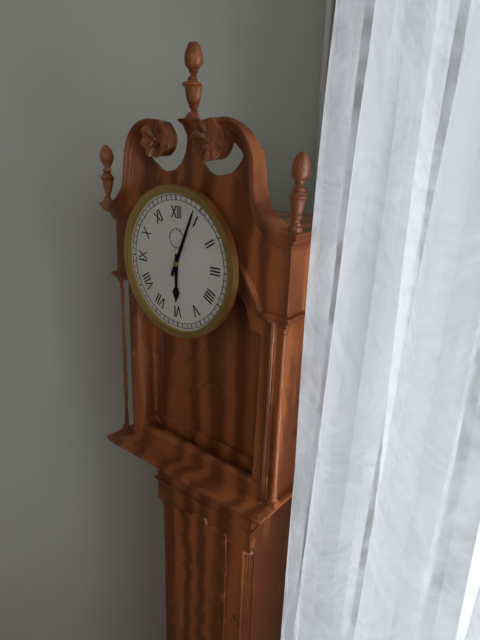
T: **6:04**
